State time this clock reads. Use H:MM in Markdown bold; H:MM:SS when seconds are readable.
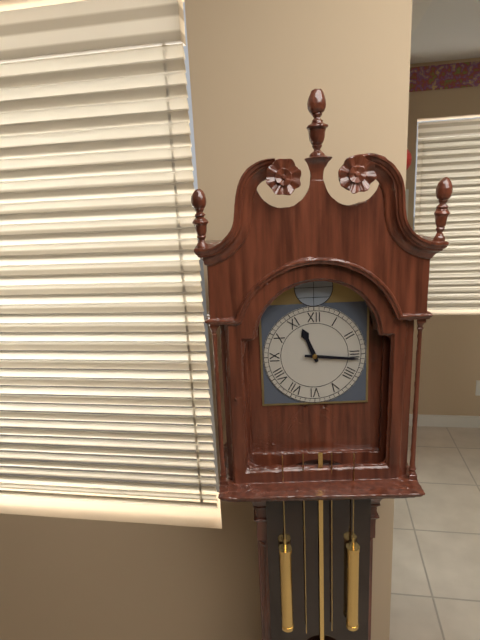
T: **11:16**
